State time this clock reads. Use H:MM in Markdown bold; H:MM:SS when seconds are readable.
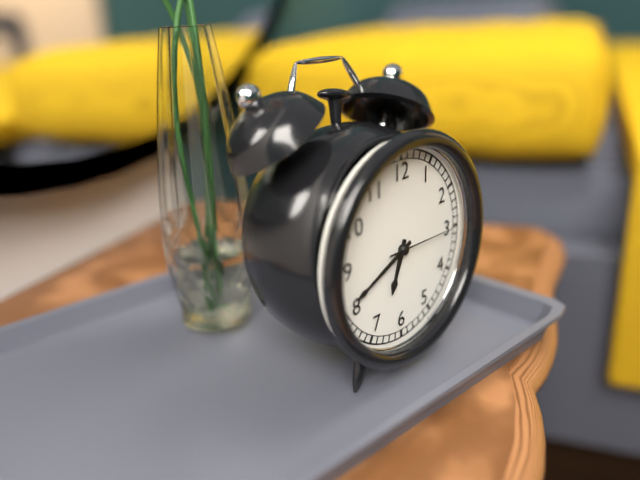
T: **6:41:15**
